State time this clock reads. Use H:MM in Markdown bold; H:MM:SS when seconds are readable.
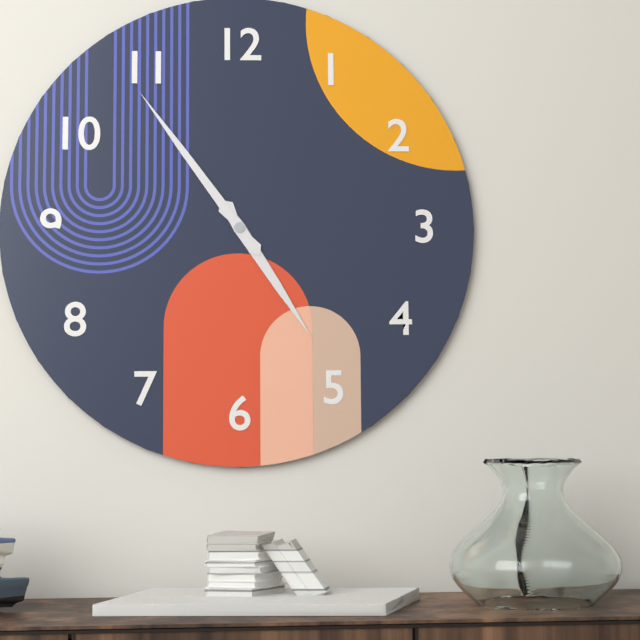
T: **4:54**
